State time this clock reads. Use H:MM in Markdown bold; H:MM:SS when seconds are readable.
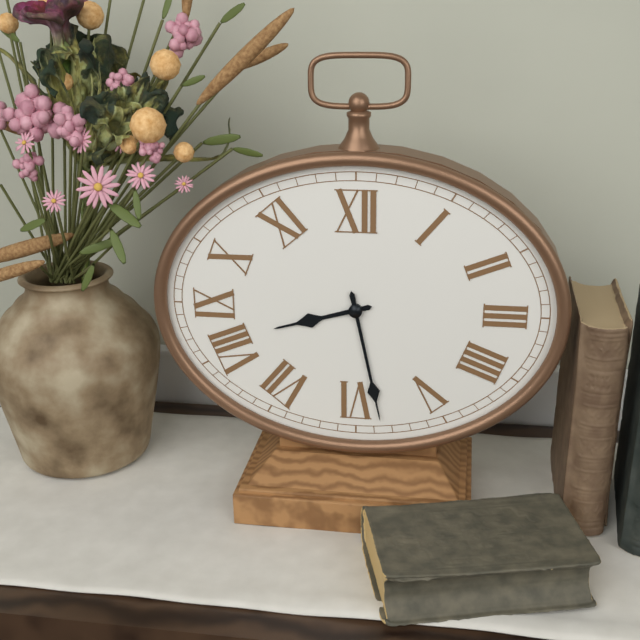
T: **8:28**
